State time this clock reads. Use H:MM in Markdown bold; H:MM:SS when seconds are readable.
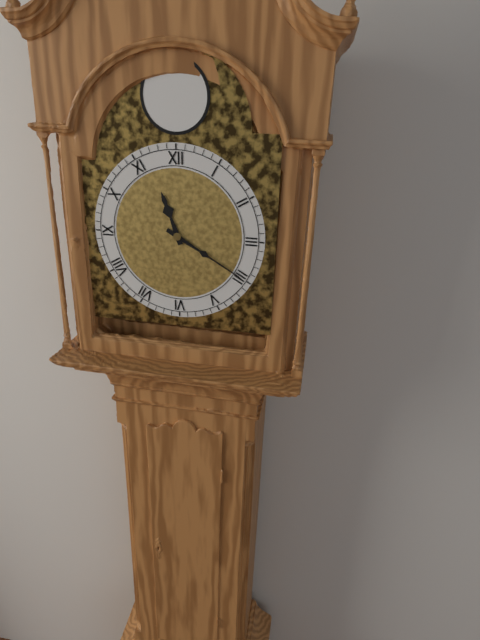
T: **11:20**
